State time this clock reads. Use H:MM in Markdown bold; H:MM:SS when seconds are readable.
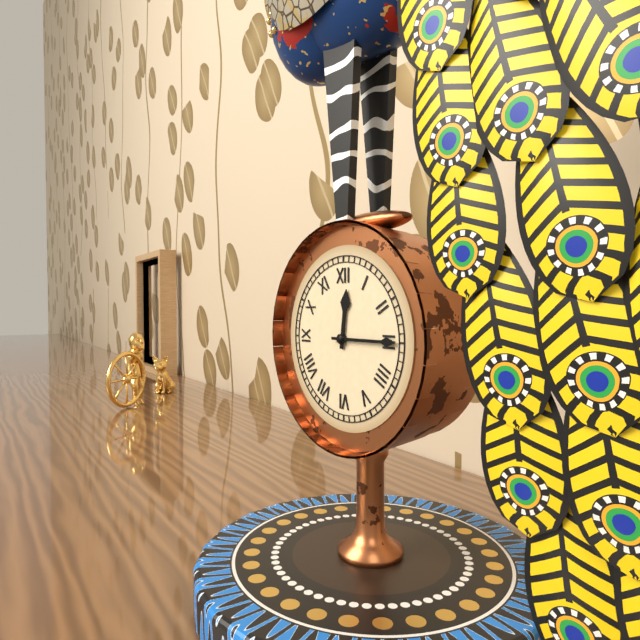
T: **12:15**
